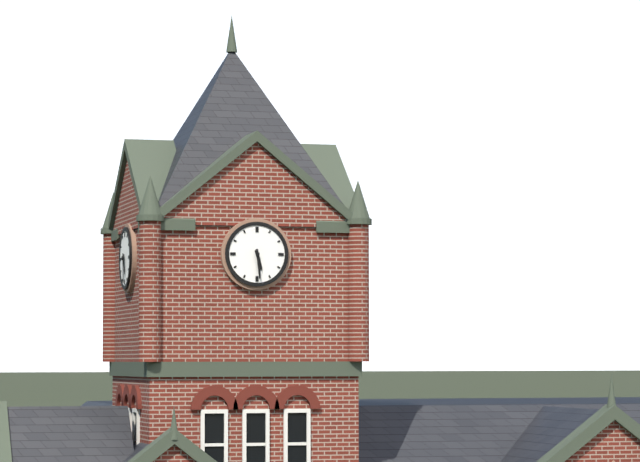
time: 5:29
